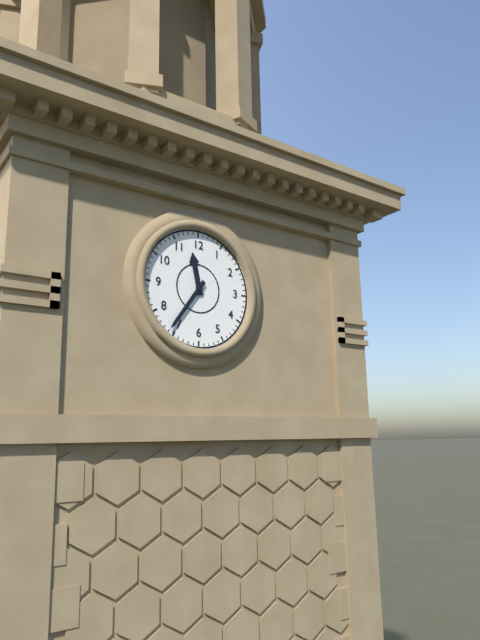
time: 11:36
